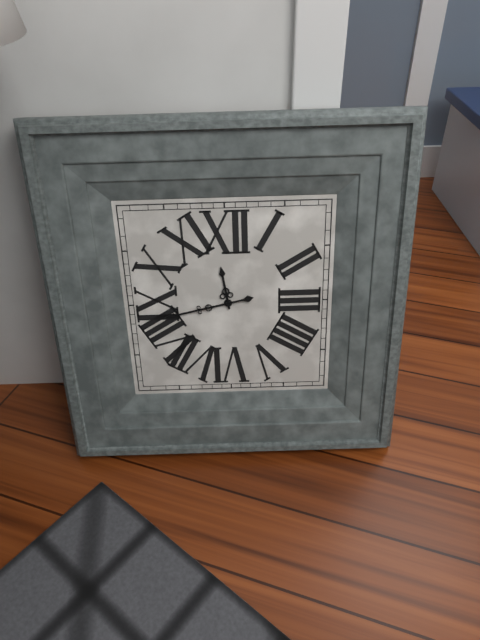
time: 11:43
